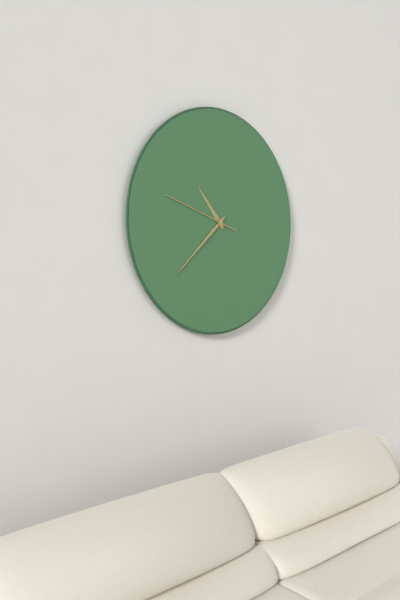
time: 10:38:48
